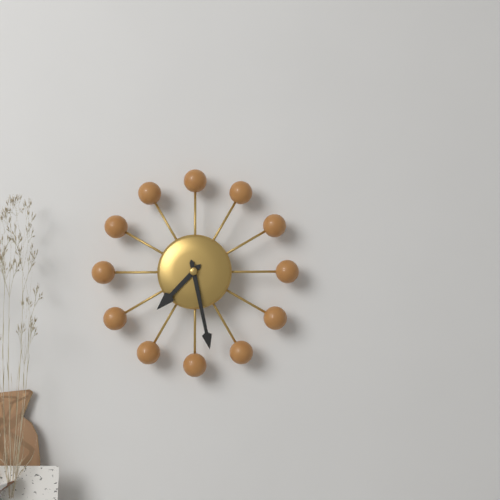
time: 7:28
